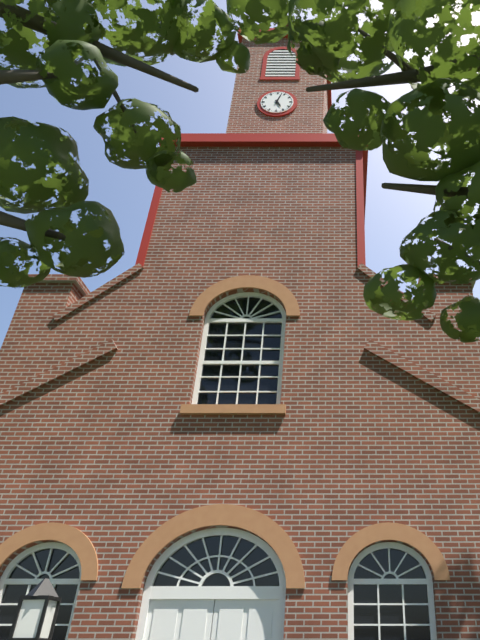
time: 5:03
